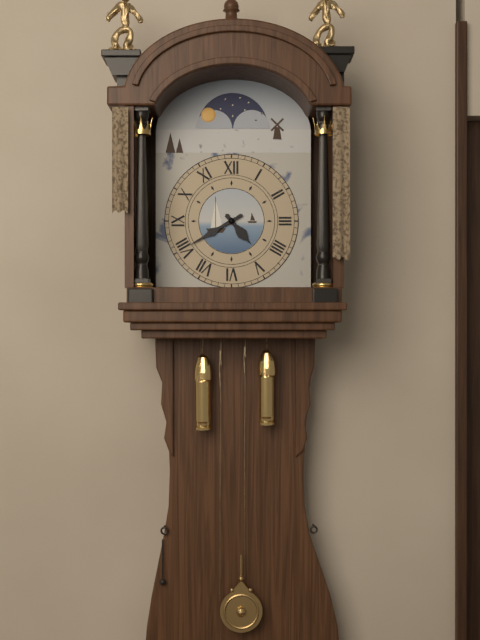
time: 4:40
